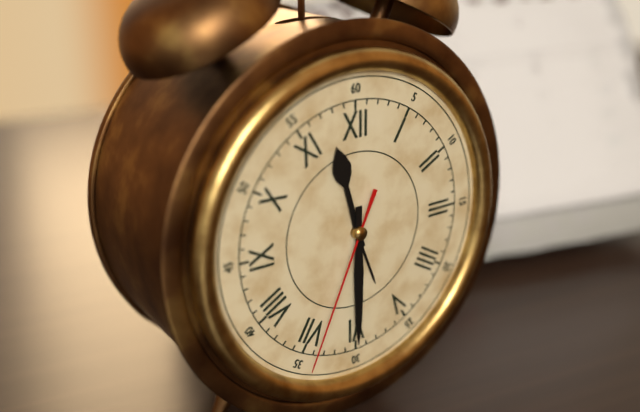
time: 11:30:34
